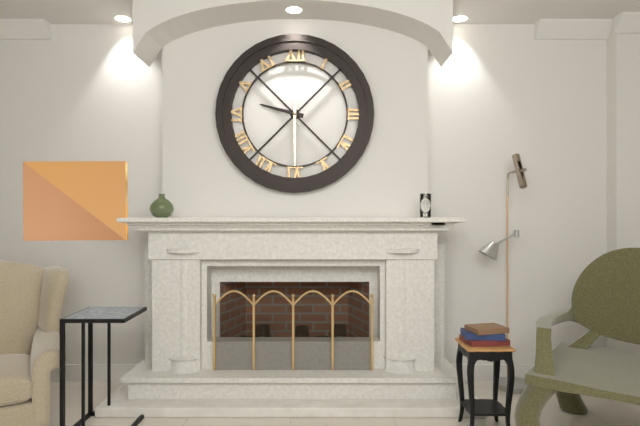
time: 9:30
